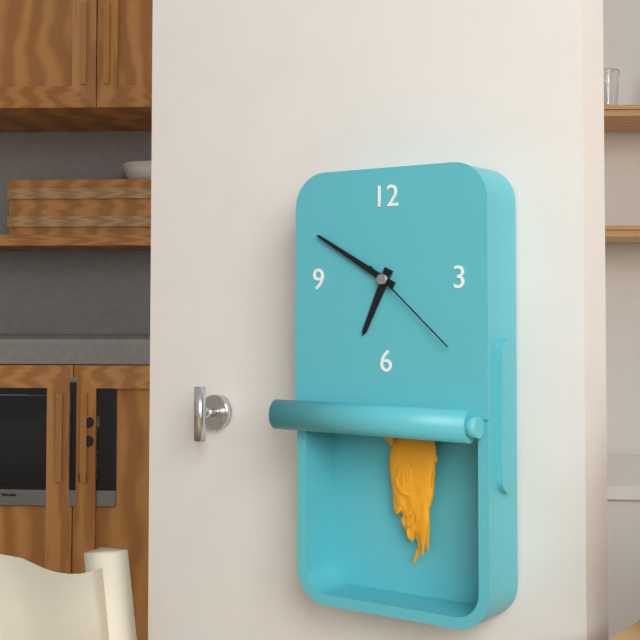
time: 6:50:22
